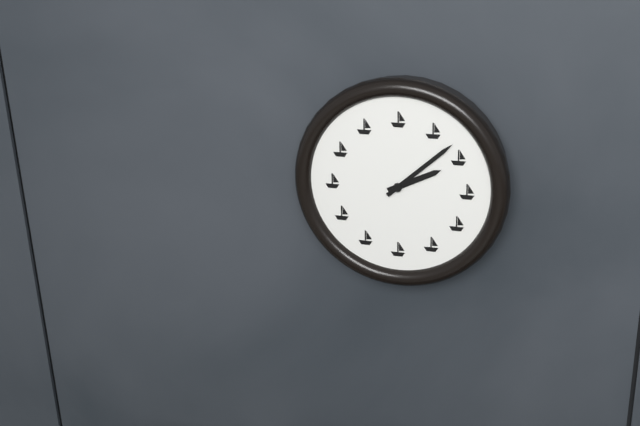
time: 2:08
